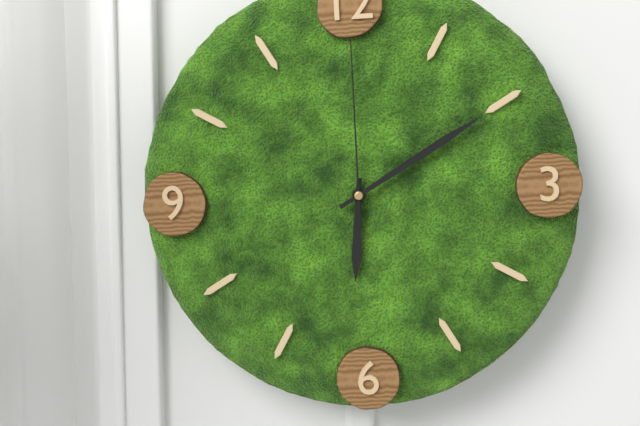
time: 6:10:00
